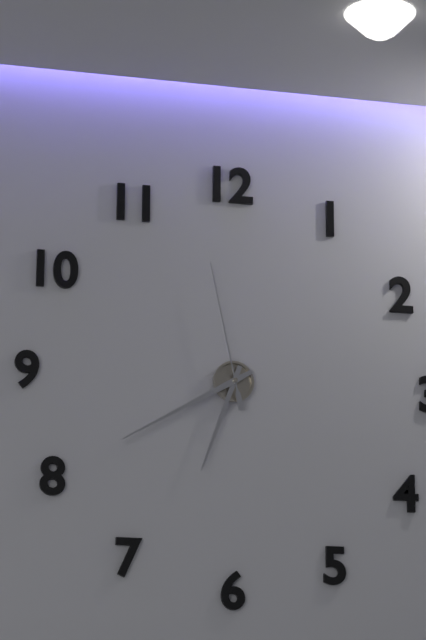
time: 6:40:58
